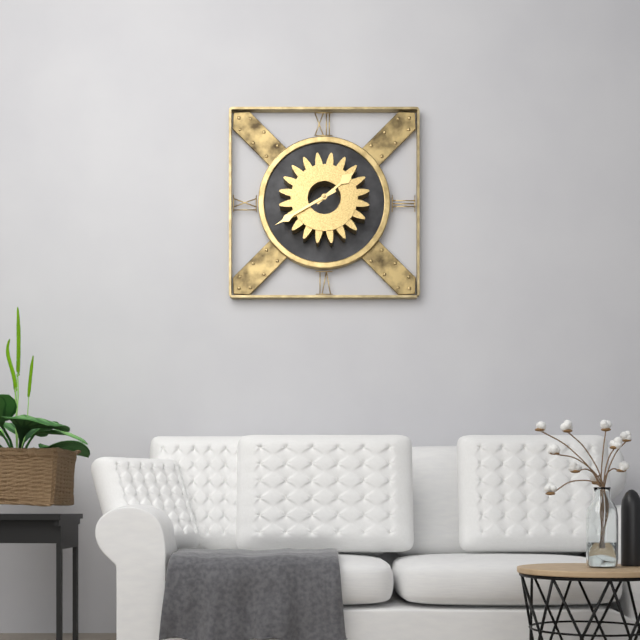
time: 1:40
